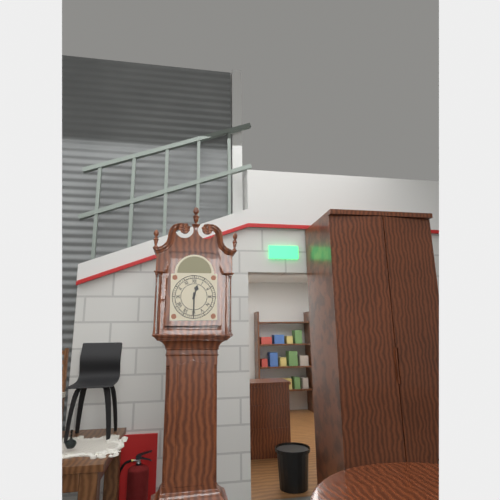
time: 12:30
